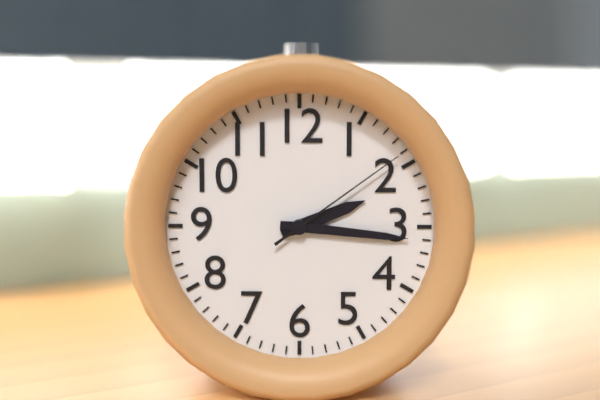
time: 2:16:09
